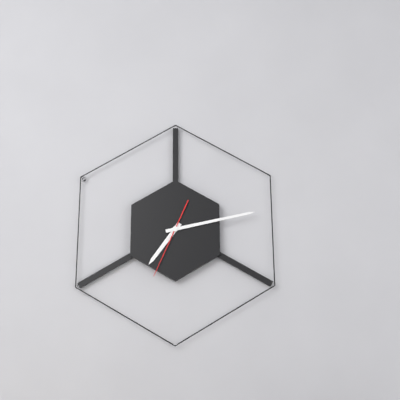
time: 7:13:34
